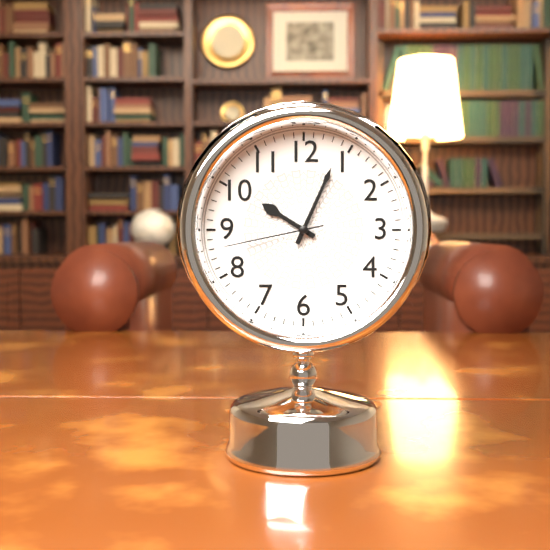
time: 10:04:43
